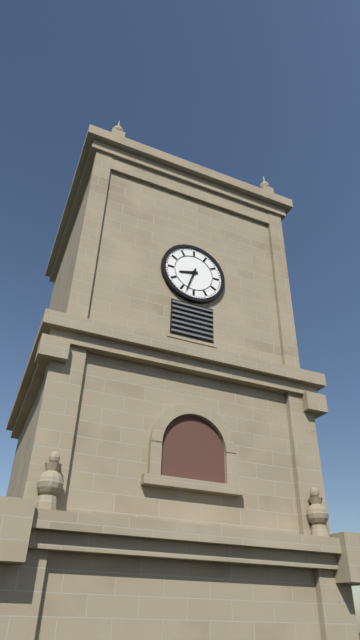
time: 8:33
